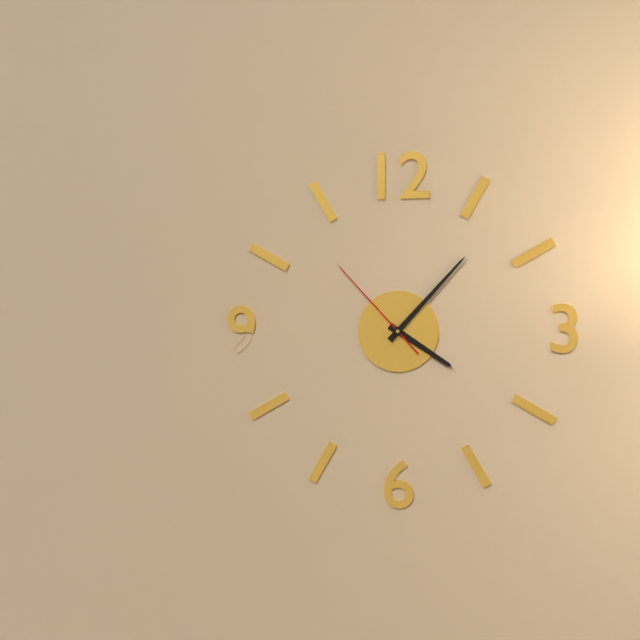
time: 4:07:53
